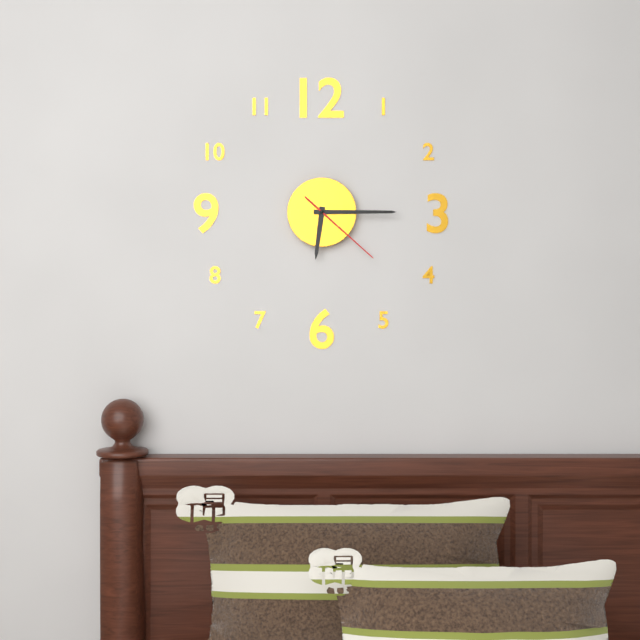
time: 6:15:22
